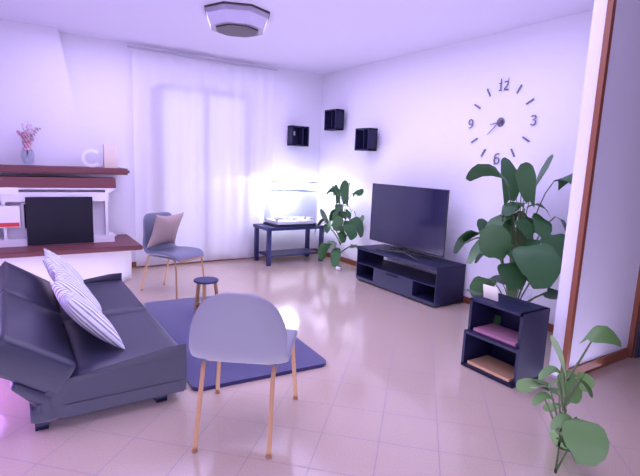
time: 8:38
